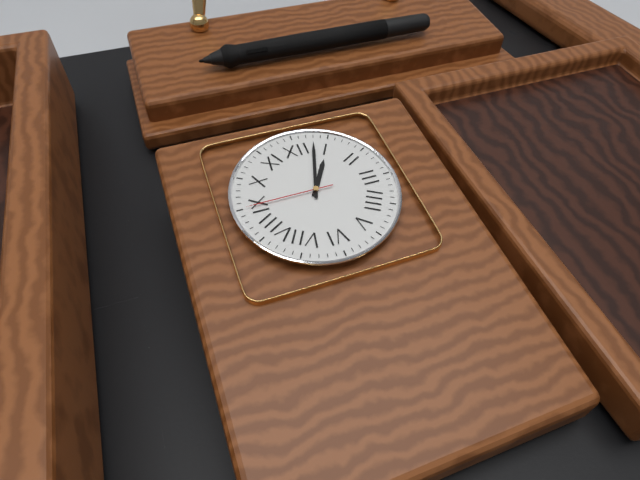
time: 1:03:45
